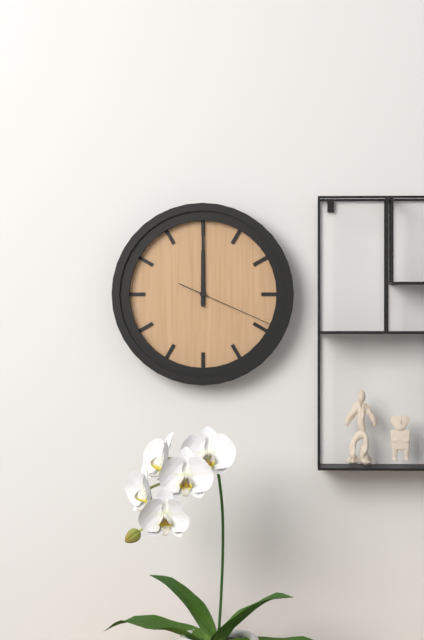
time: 12:00:19
